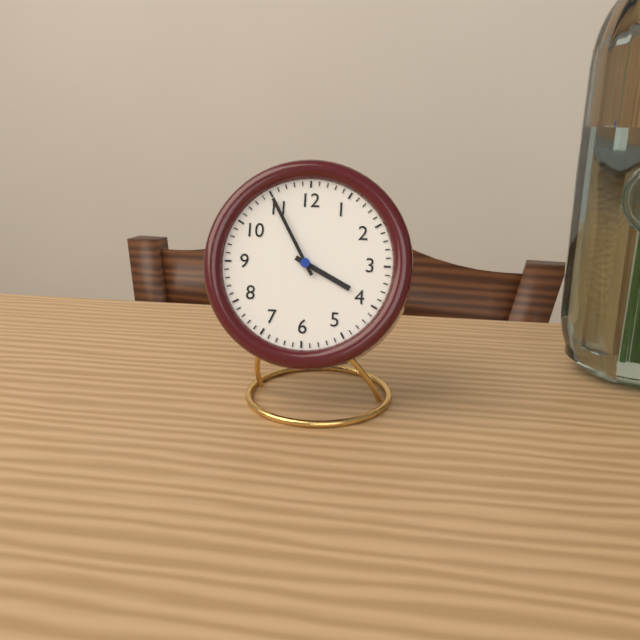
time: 3:55
